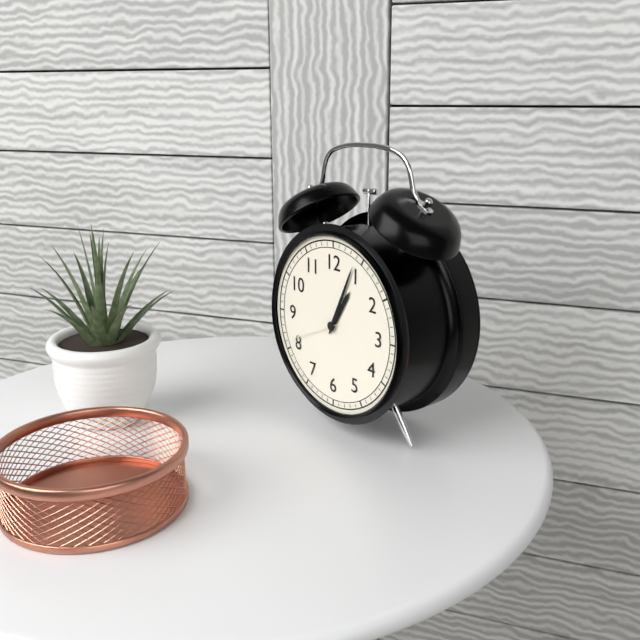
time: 1:04:41
